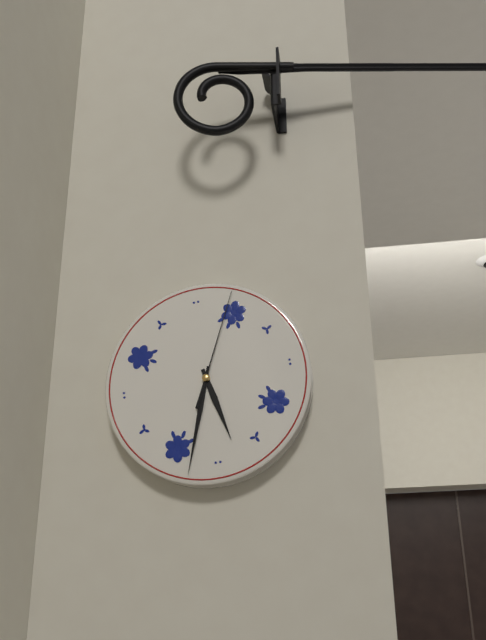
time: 5:33:04
